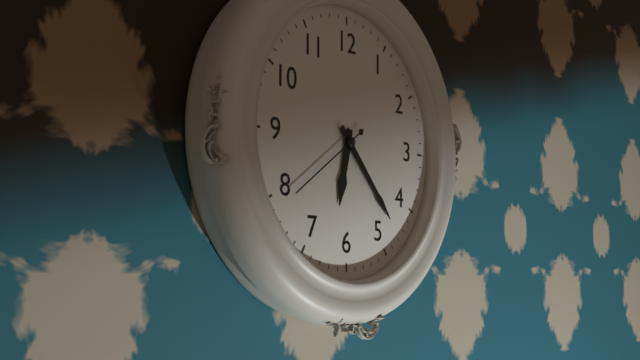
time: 6:23:39
